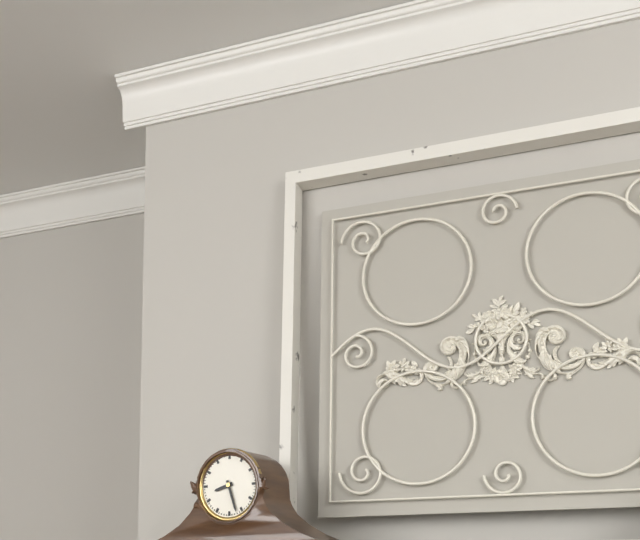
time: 8:27
